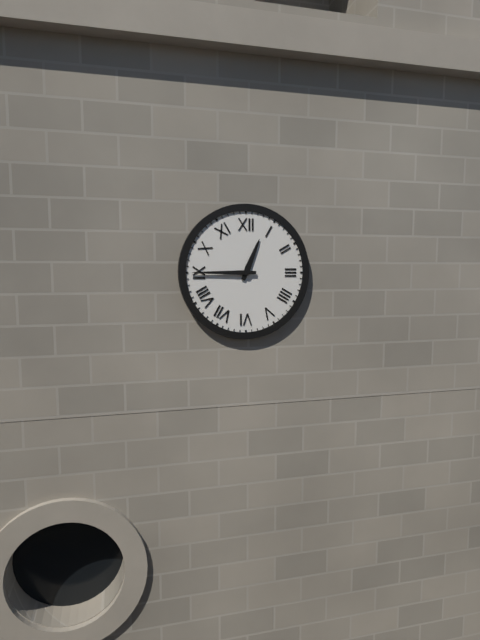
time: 12:45
